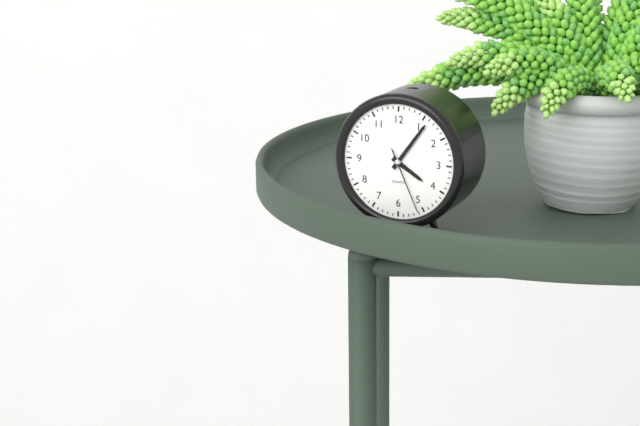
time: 4:06:26
